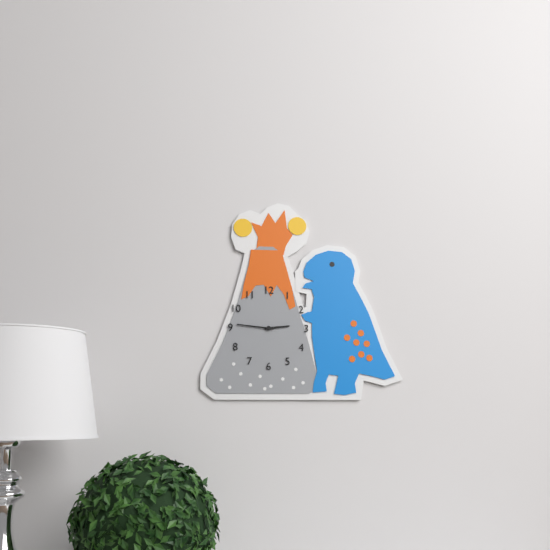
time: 2:46
